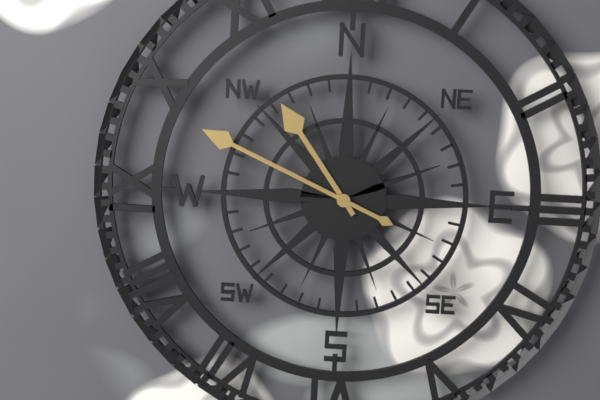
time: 10:49
